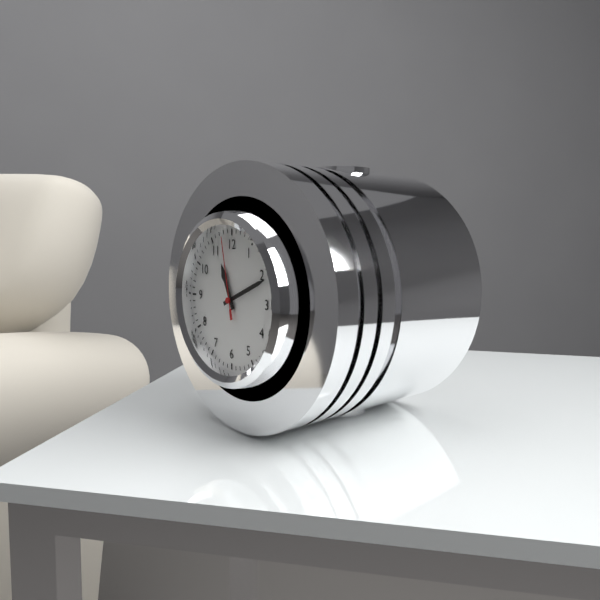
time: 11:11:58
